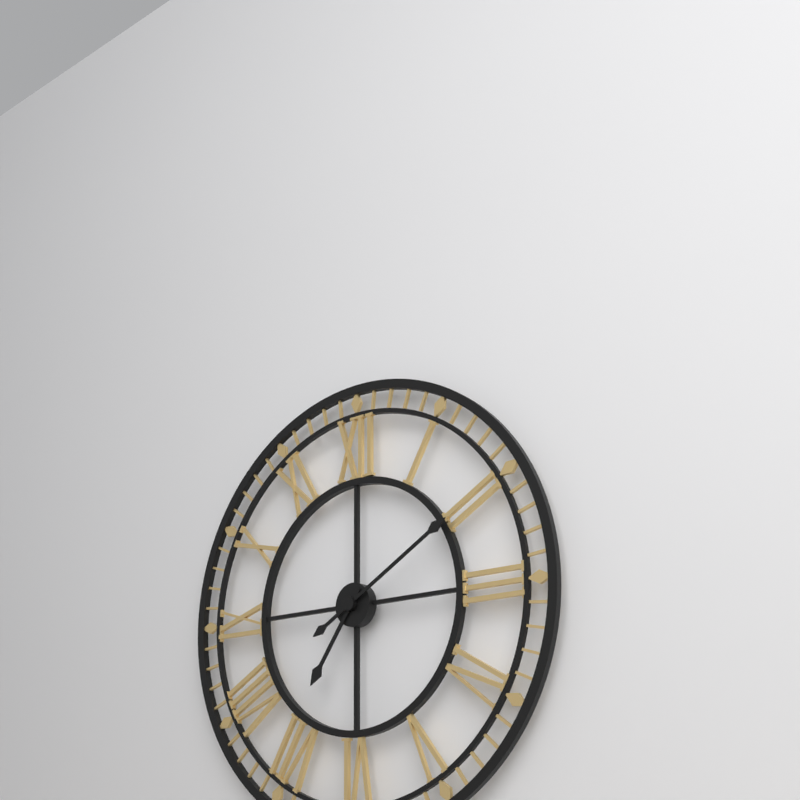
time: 7:10
